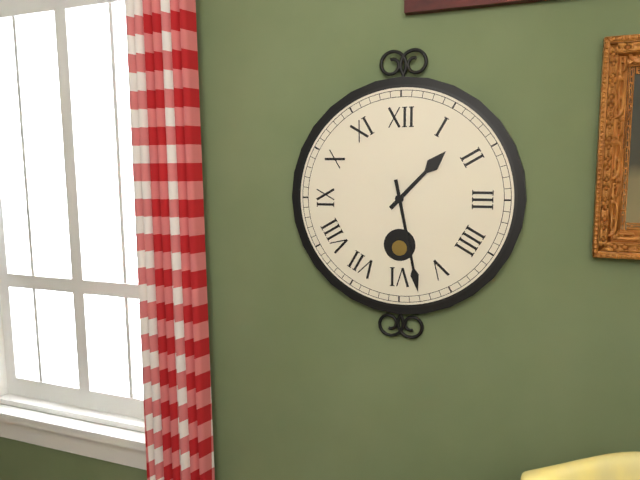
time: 1:28
